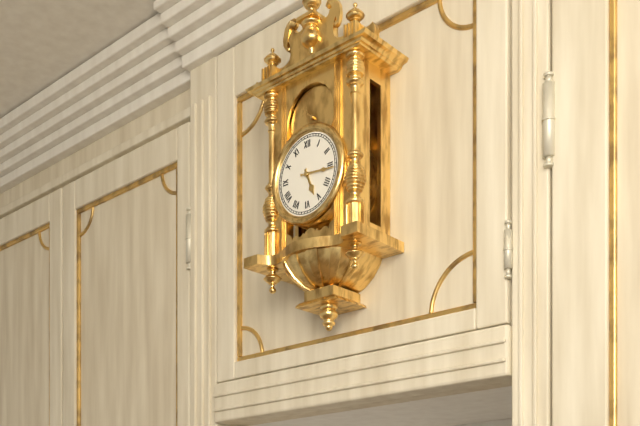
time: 5:16
